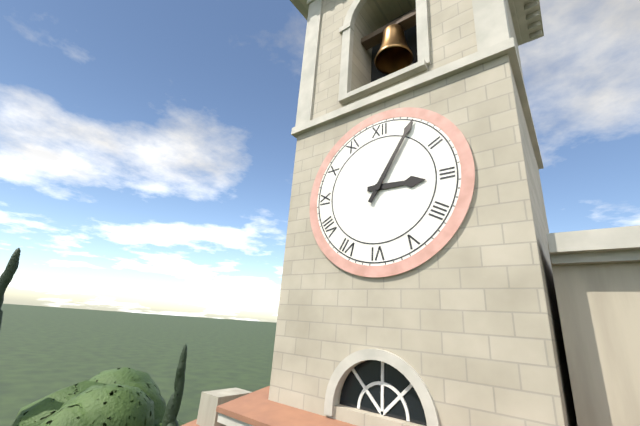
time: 3:05
